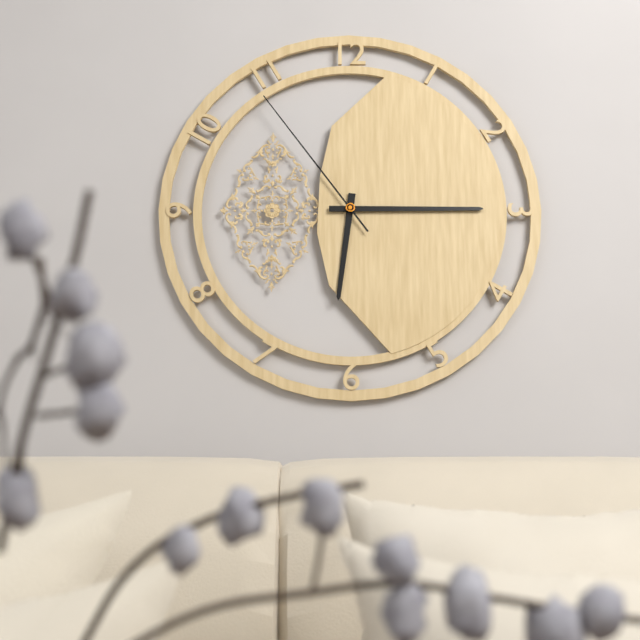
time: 6:15:54
